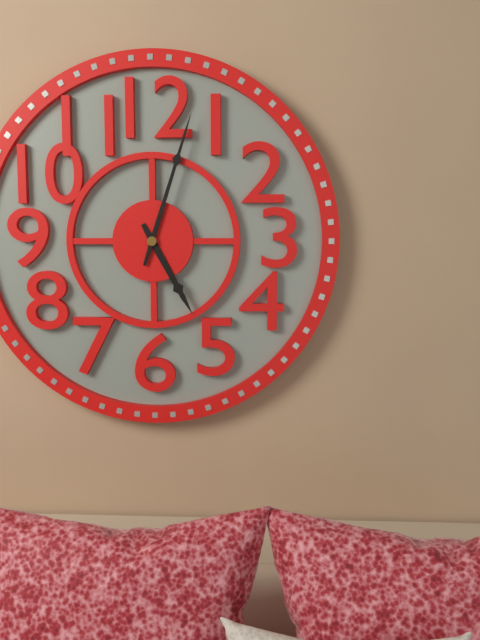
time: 5:03
